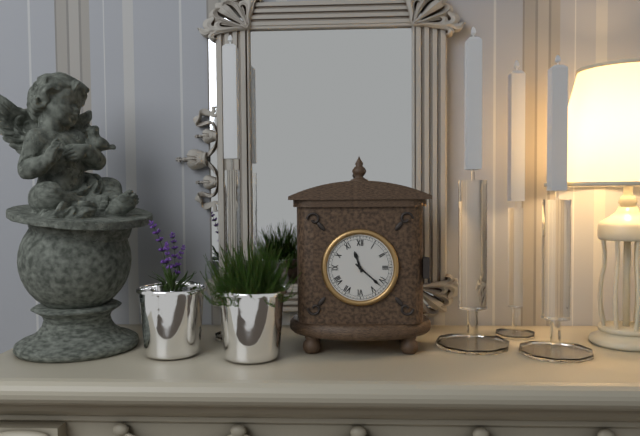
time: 11:22
